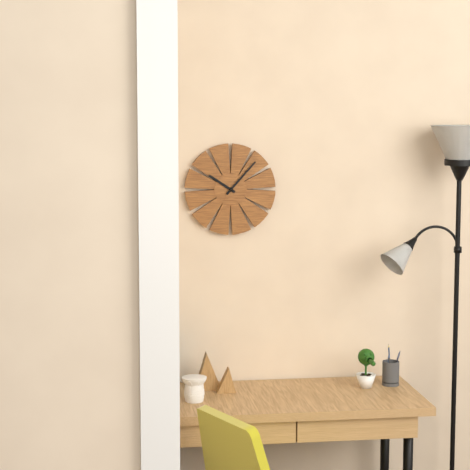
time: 10:07
